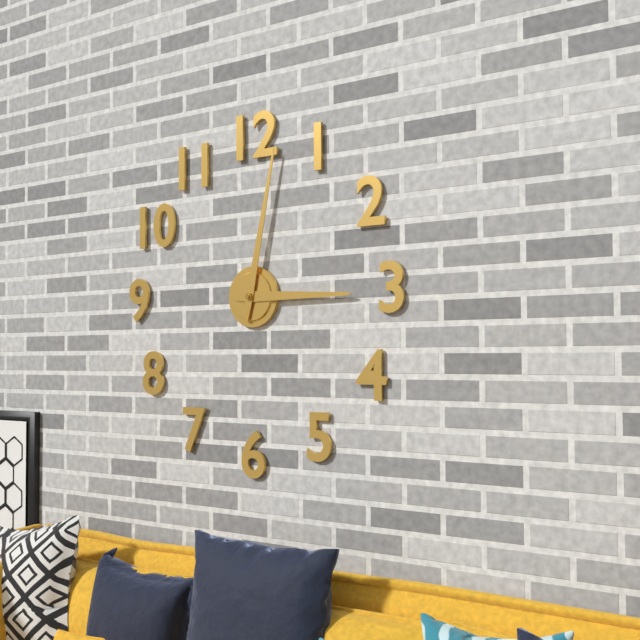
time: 3:02
